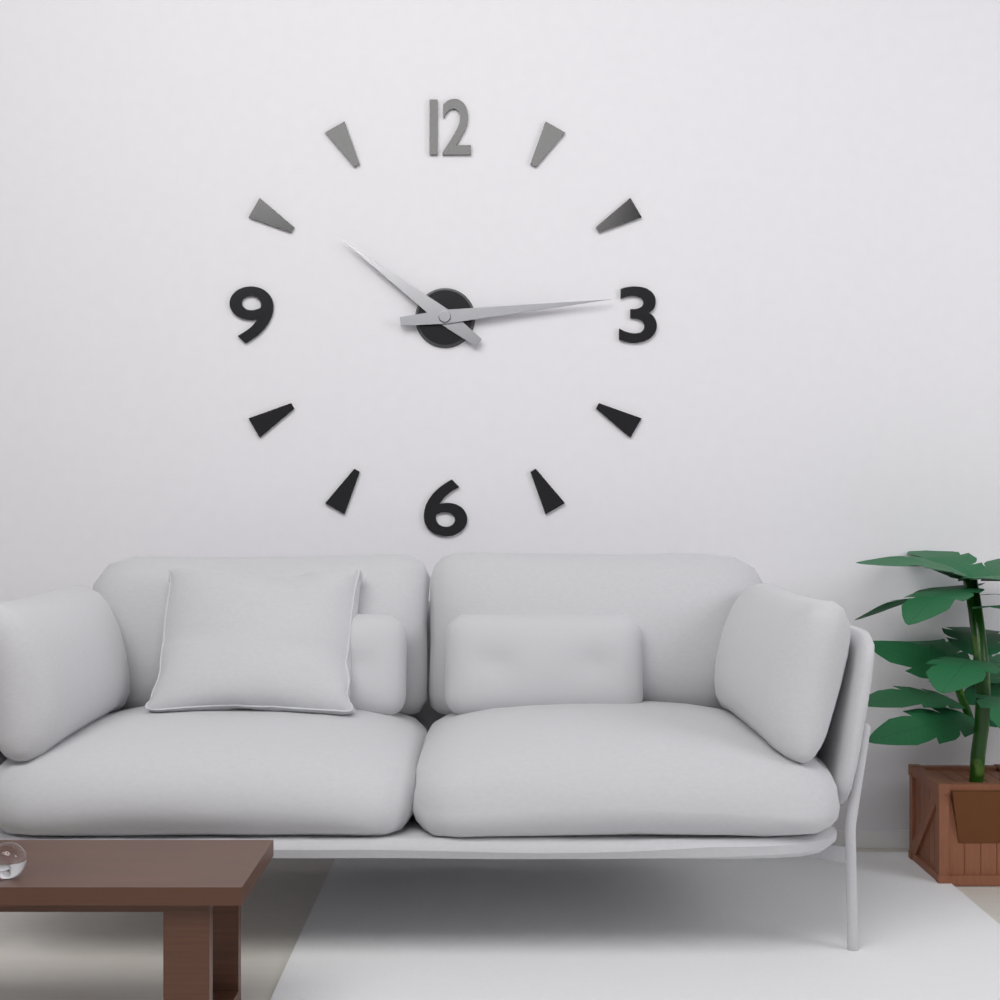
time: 10:14
